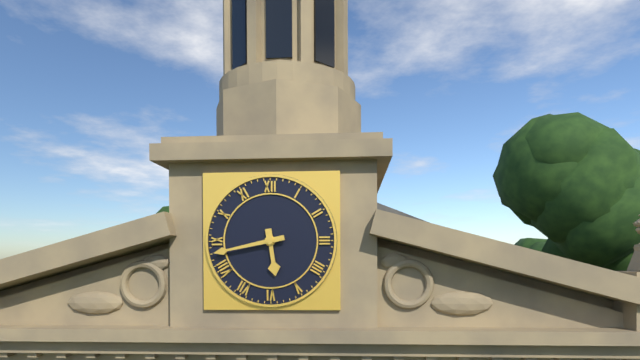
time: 5:43
